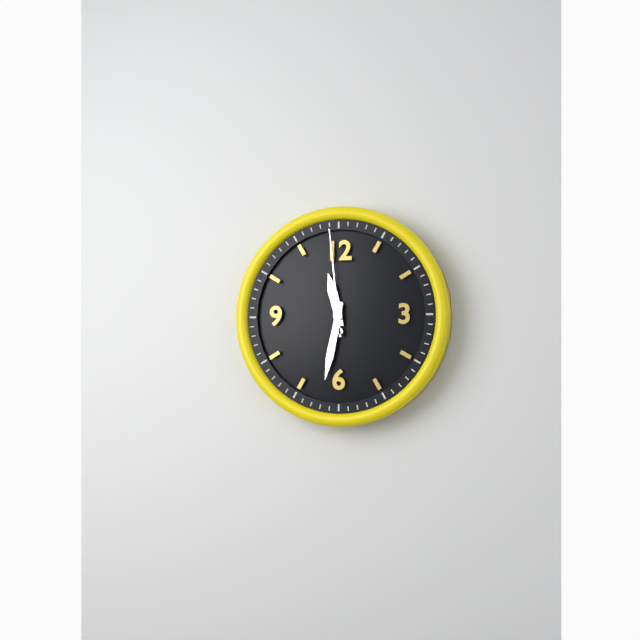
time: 11:32:59
